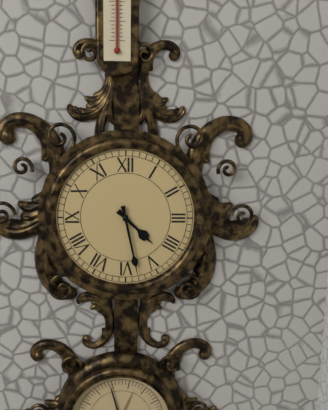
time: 4:28
